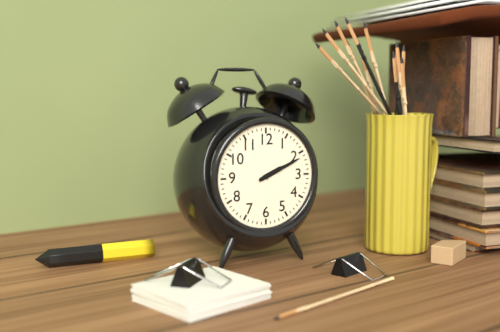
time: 2:11
